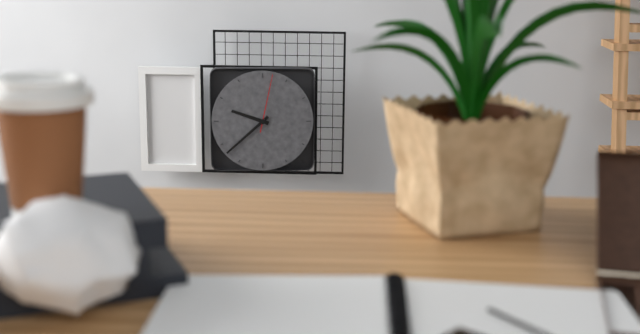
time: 9:38:02
